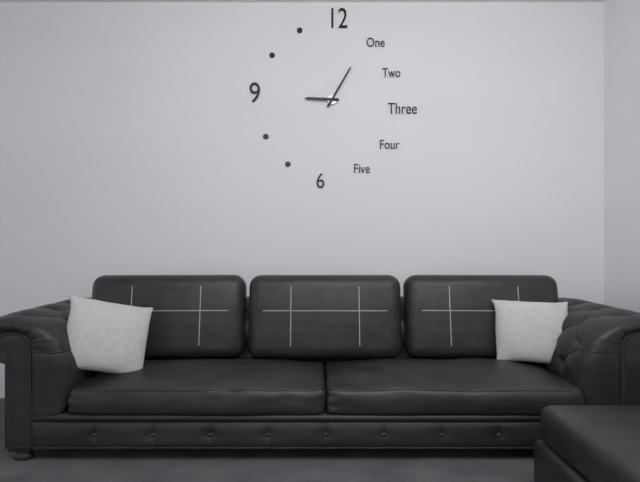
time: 9:05
